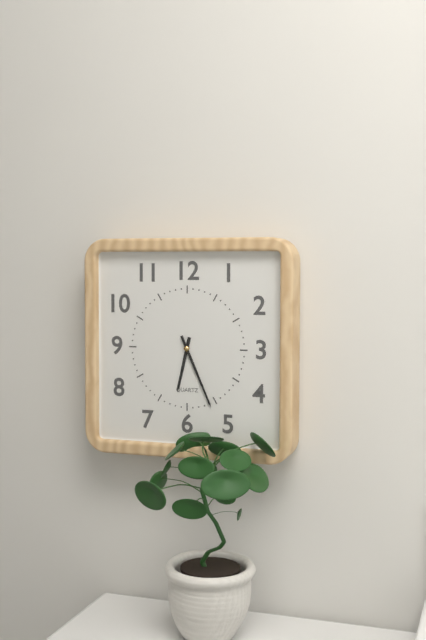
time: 6:26
